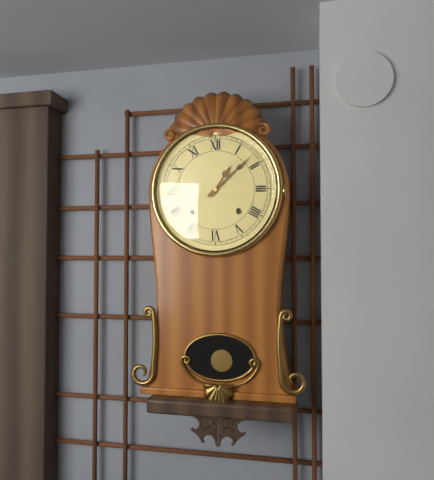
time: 1:08
